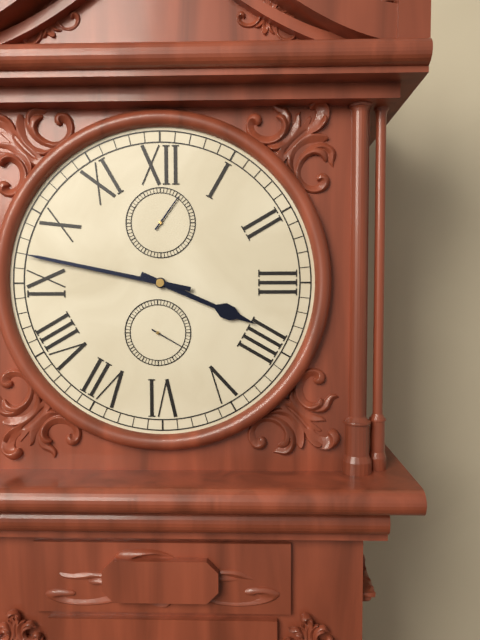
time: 3:47
